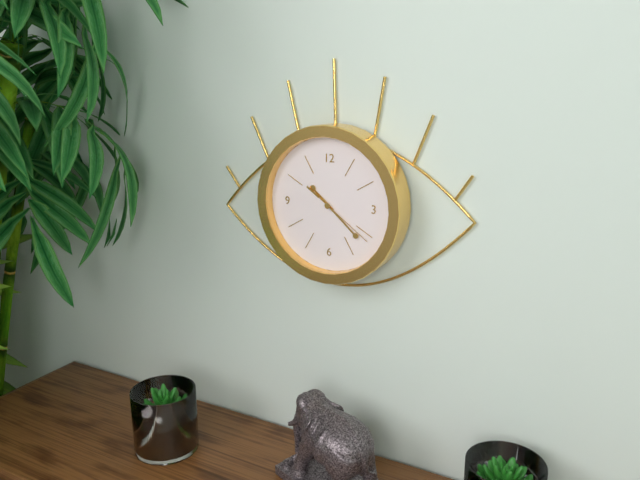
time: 10:22:21
